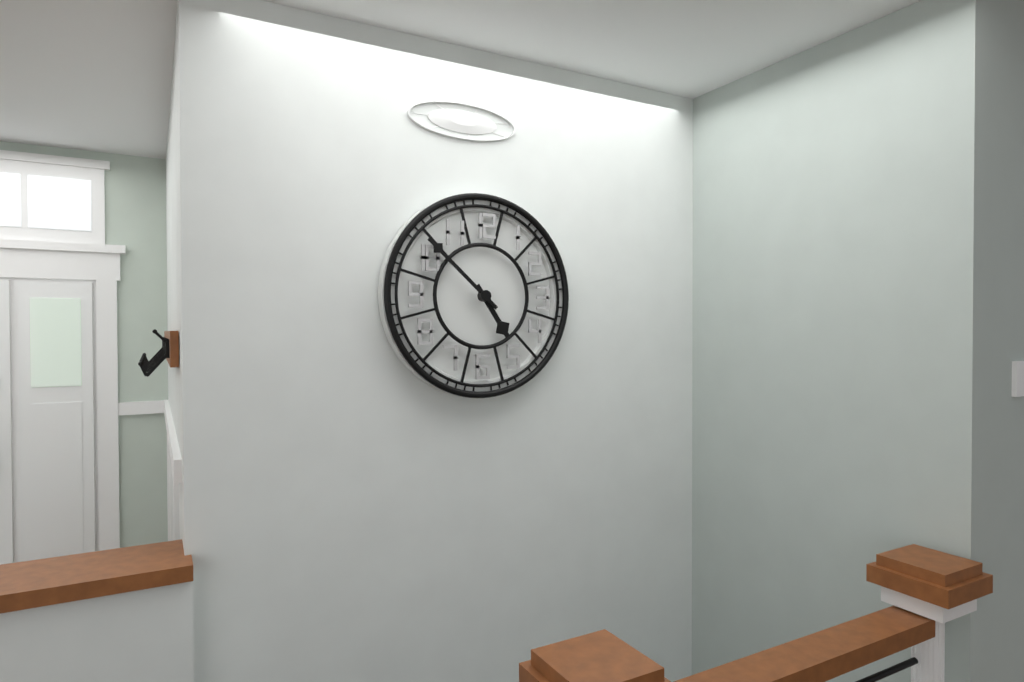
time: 4:52
